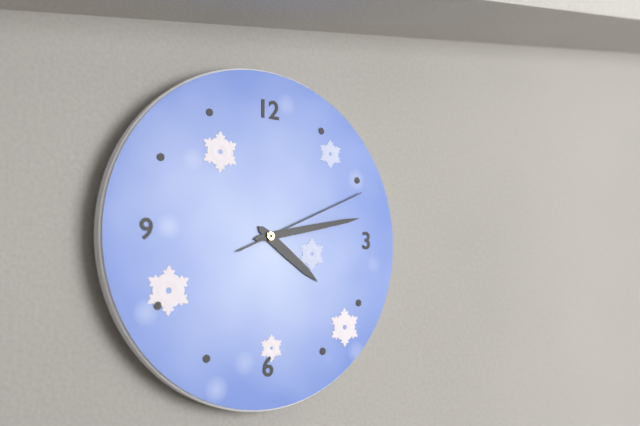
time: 4:13:11
